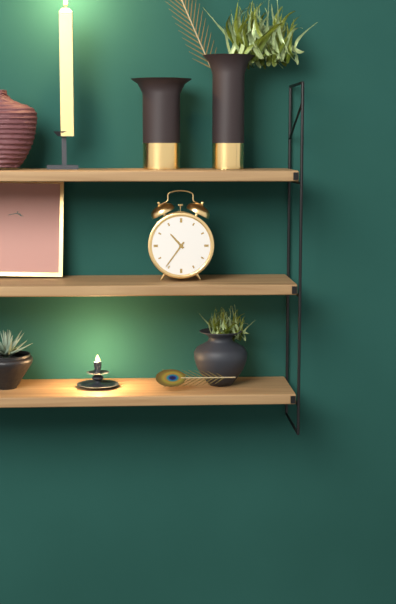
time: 10:36
